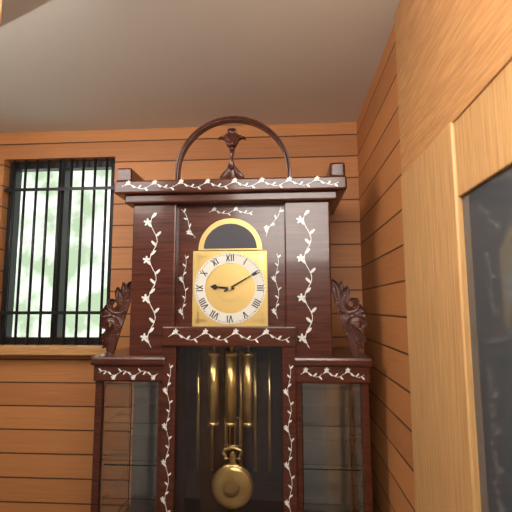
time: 9:10
